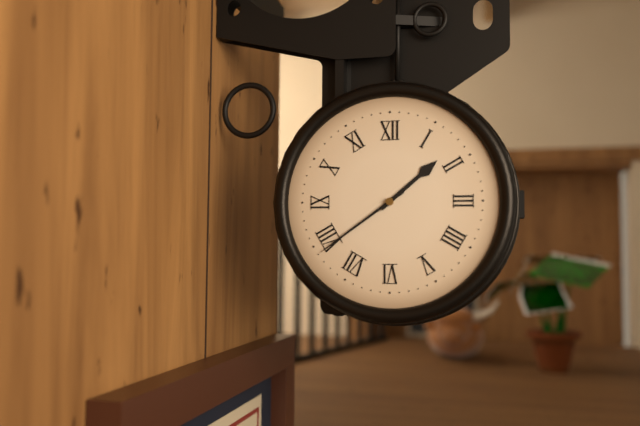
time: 1:39
